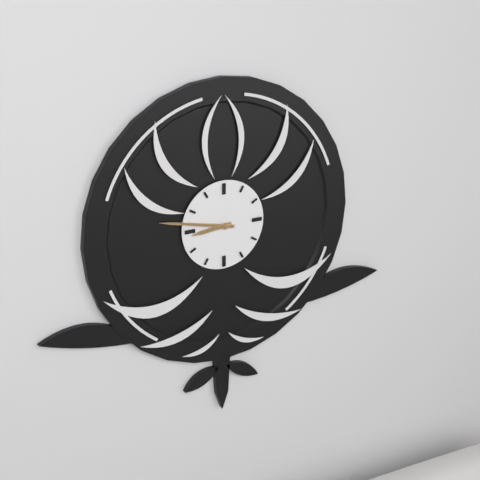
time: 8:47
